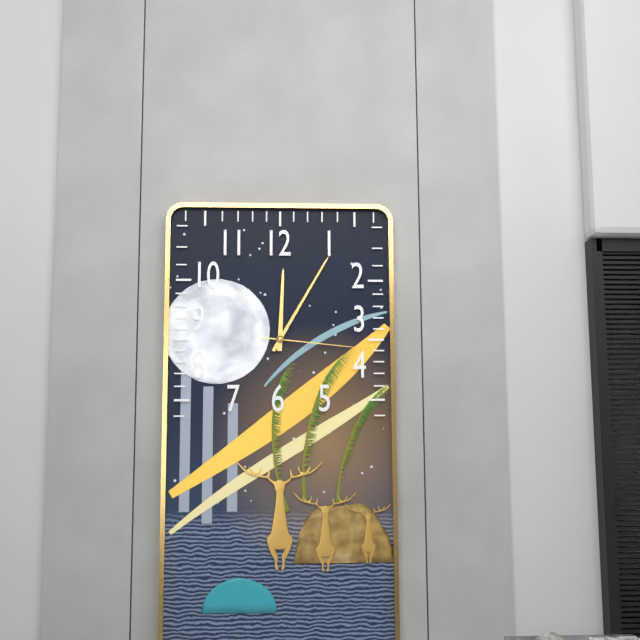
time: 12:05:16
